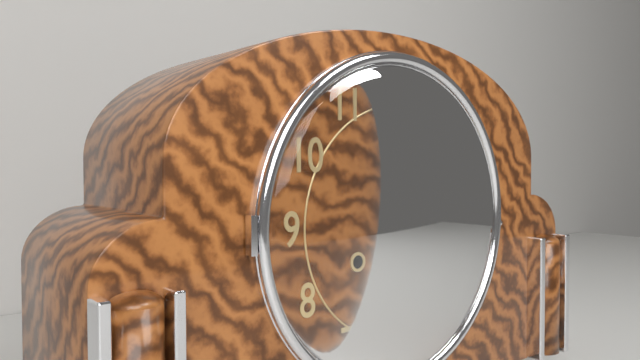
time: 5:13
